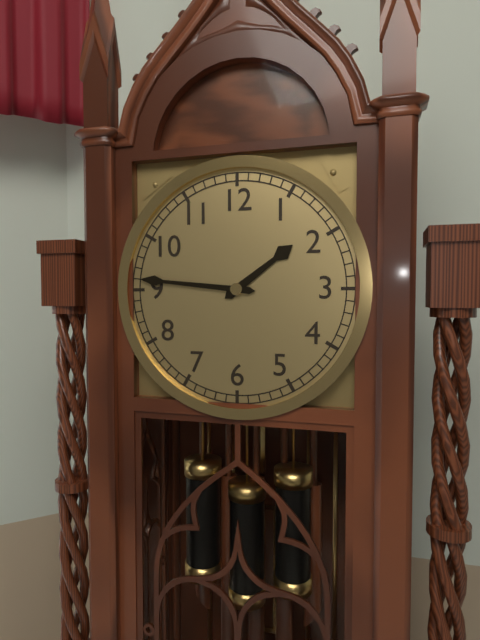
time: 1:46
